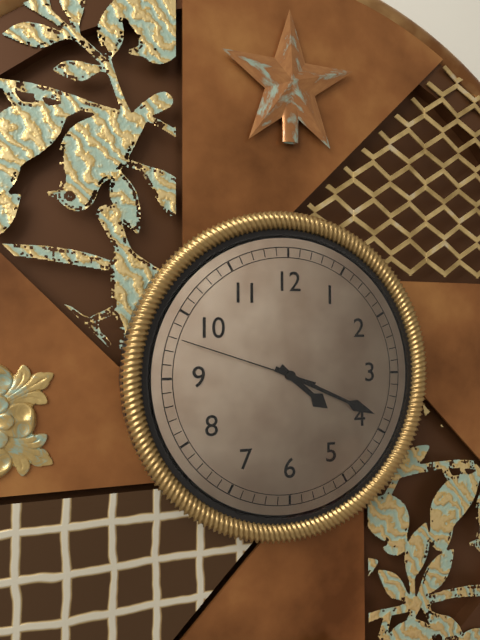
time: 4:19:48
